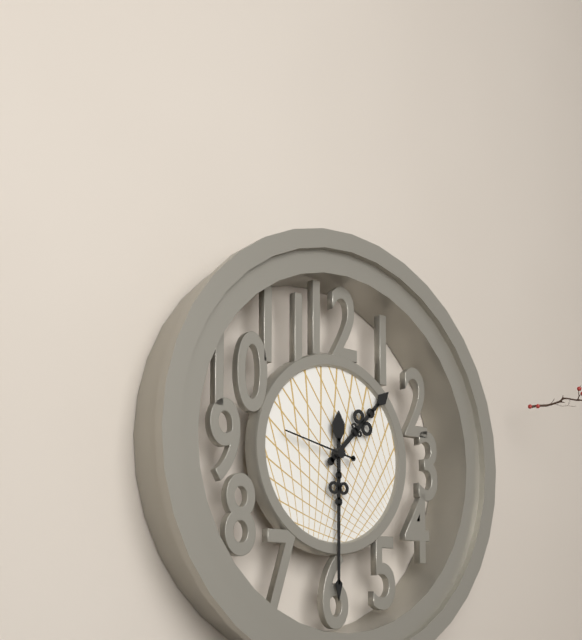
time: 1:30
